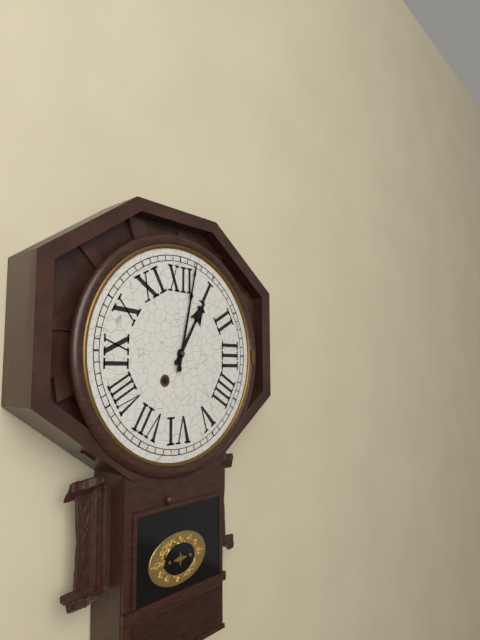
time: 1:02
